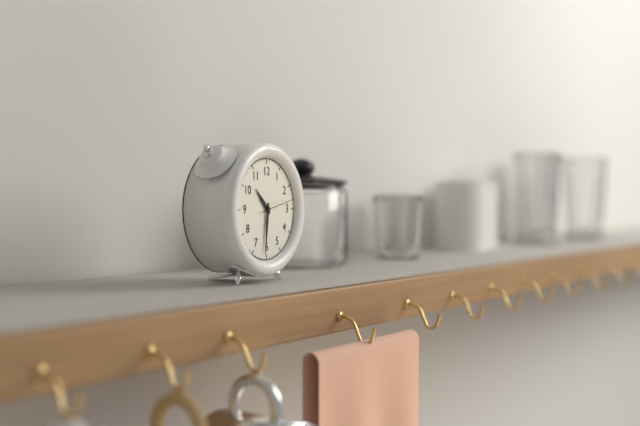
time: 10:31
